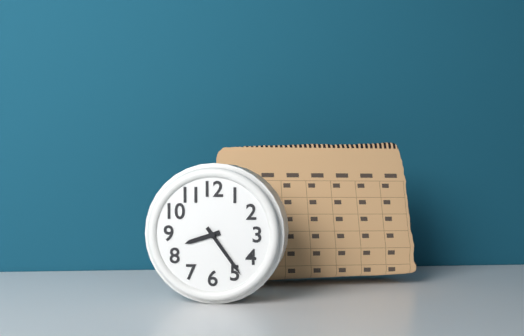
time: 8:24
